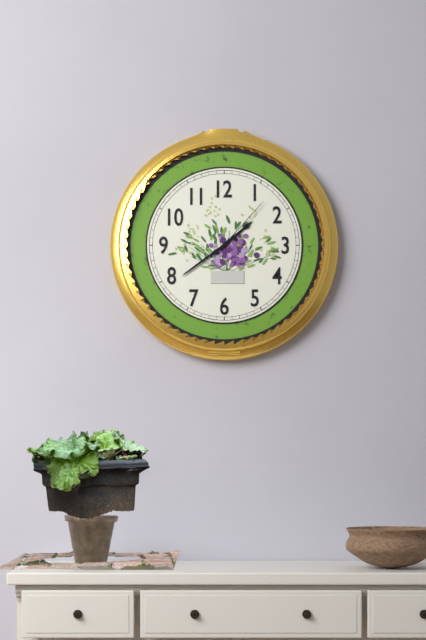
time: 1:39:07
